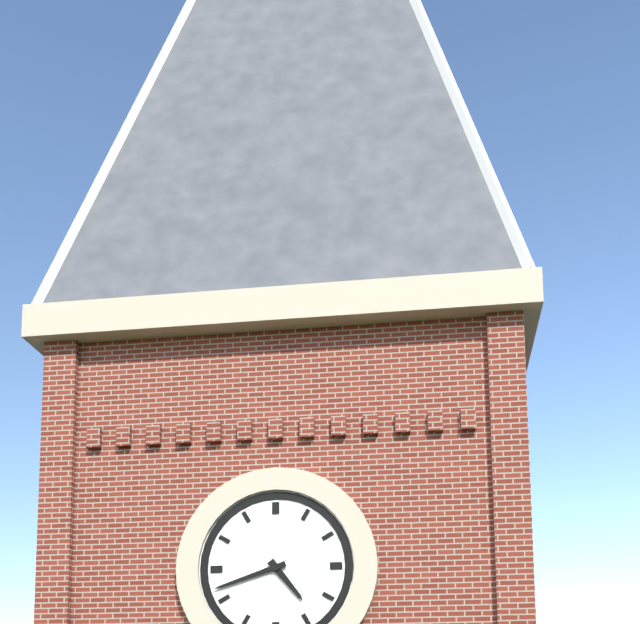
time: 4:42
